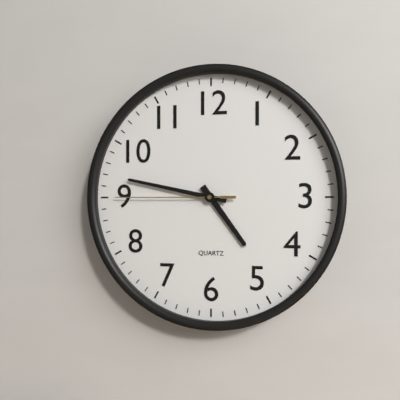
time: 4:47:45
